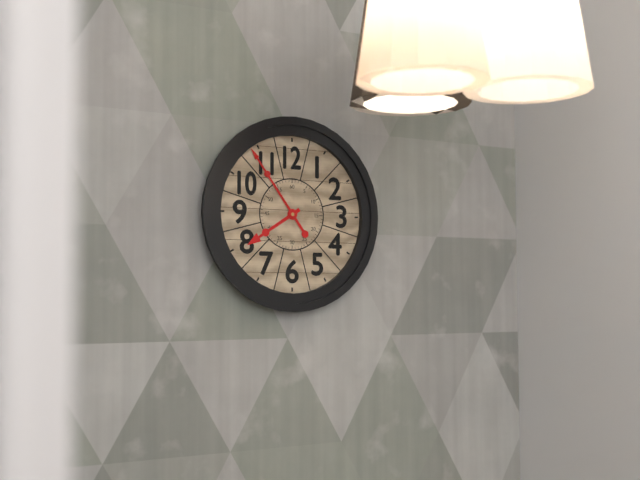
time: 7:54
